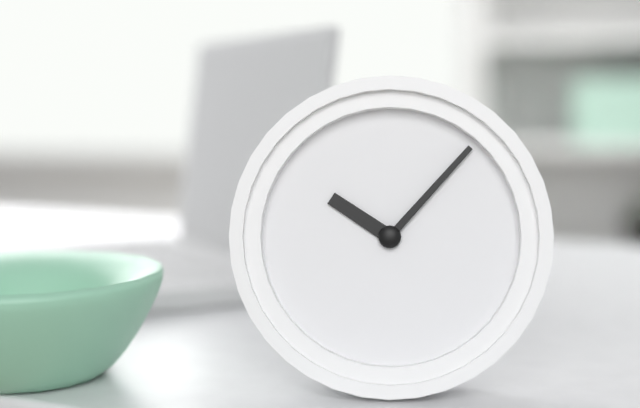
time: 10:07
